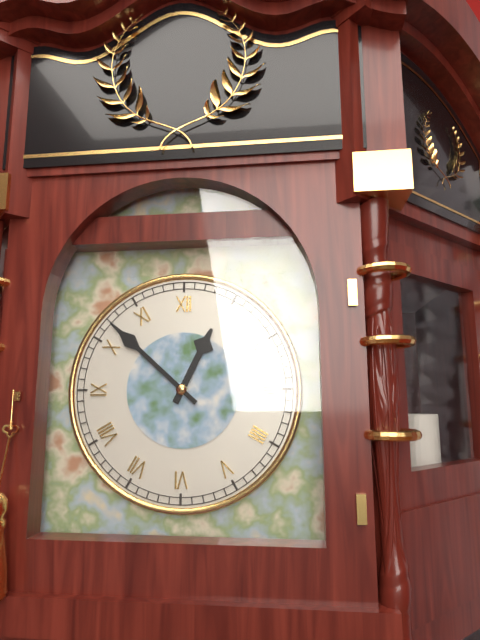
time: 12:52
